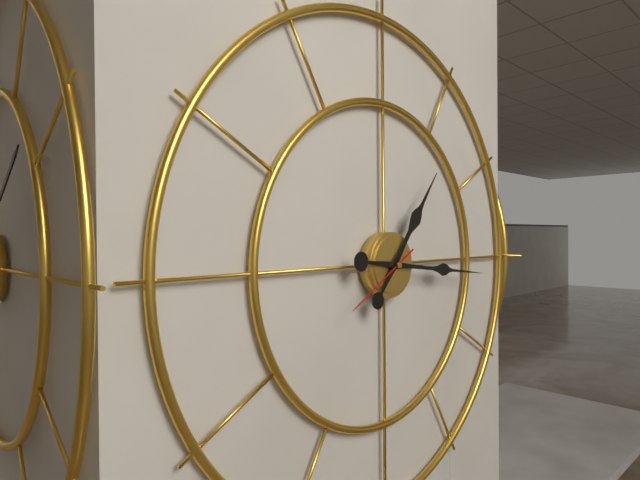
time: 1:16:40
